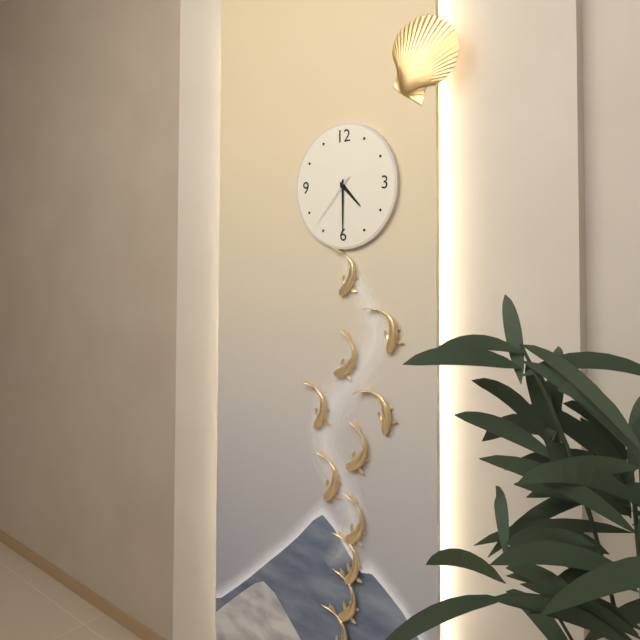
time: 4:30:37
